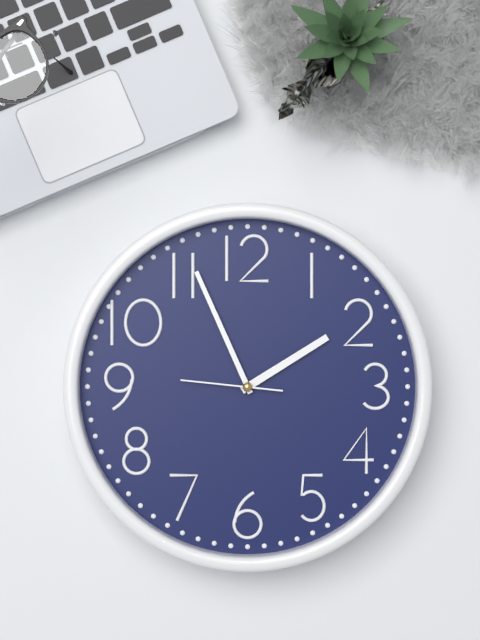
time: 1:56:46
